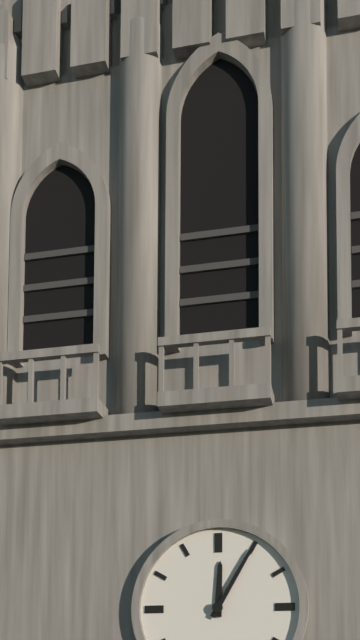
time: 12:05
